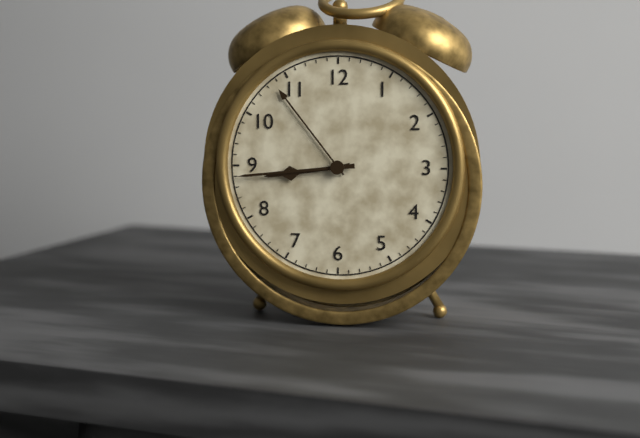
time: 8:44
